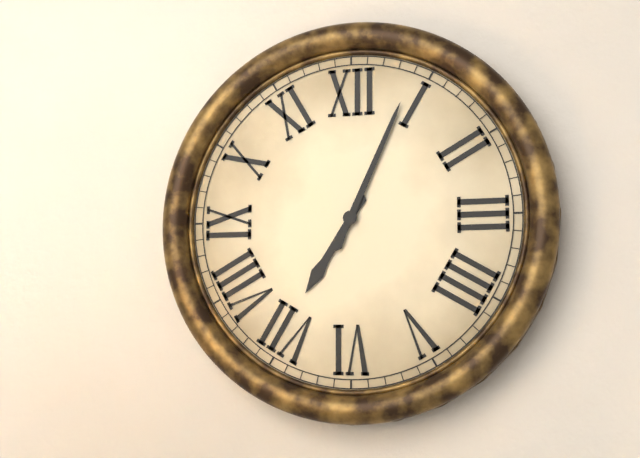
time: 7:04
